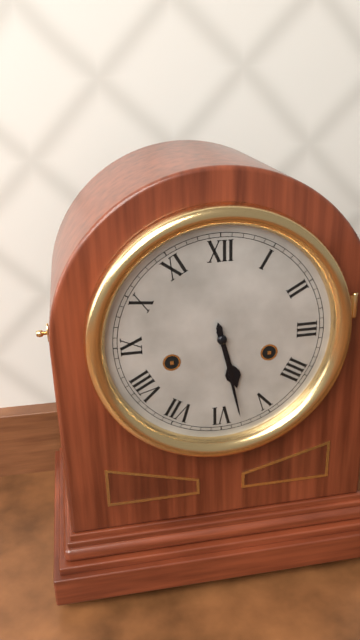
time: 5:28
